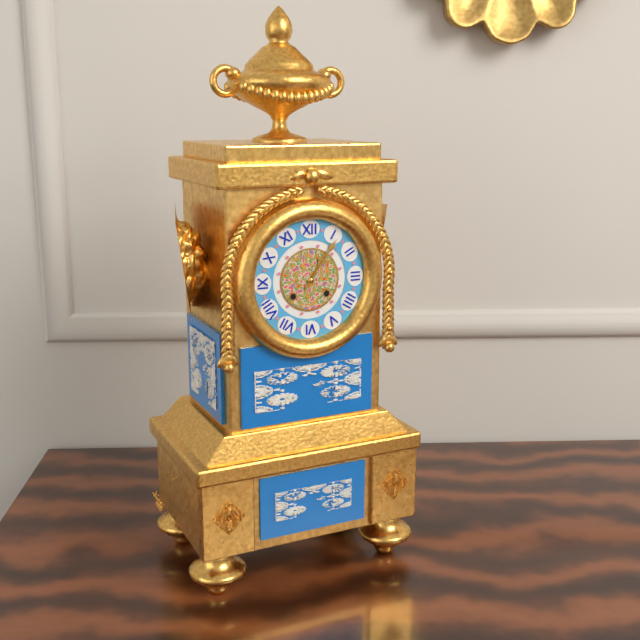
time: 1:06
